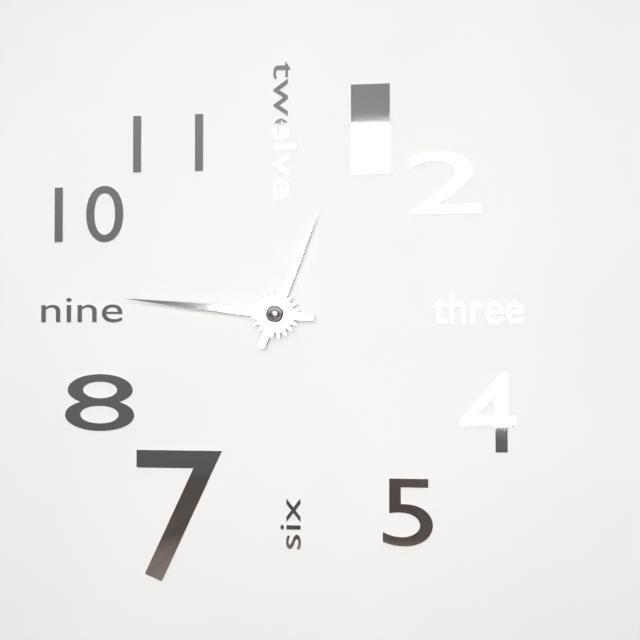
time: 12:46
